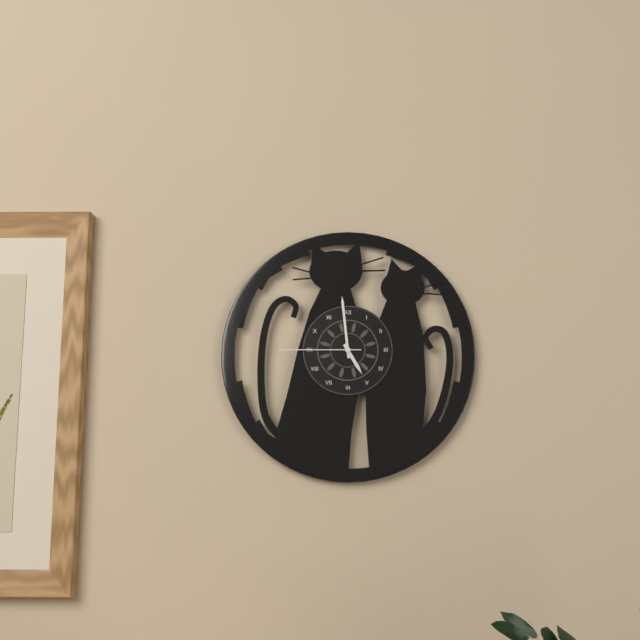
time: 4:59:45
